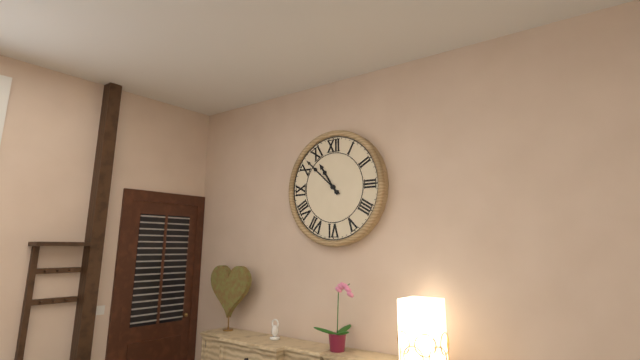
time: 10:52
